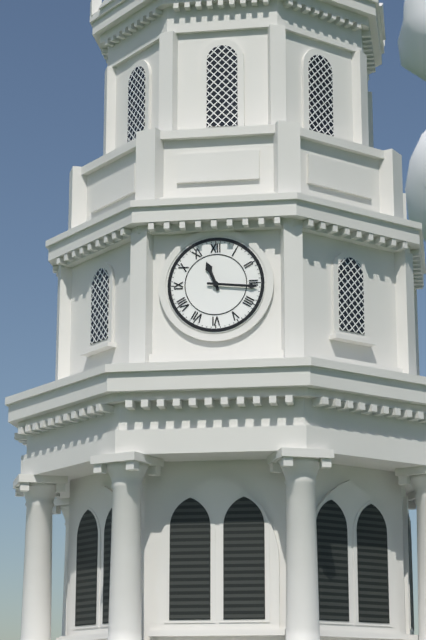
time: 11:16
